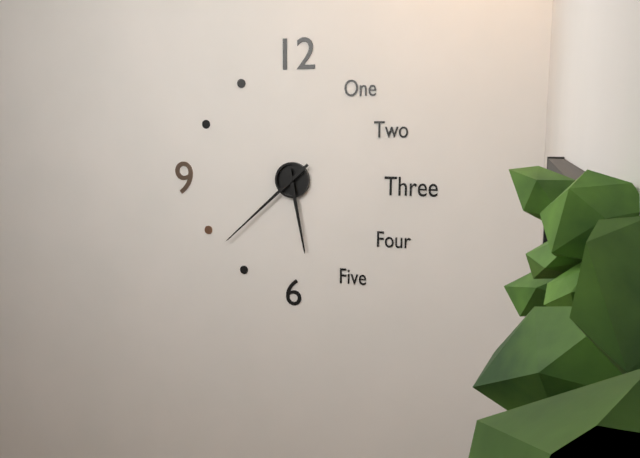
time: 5:38
